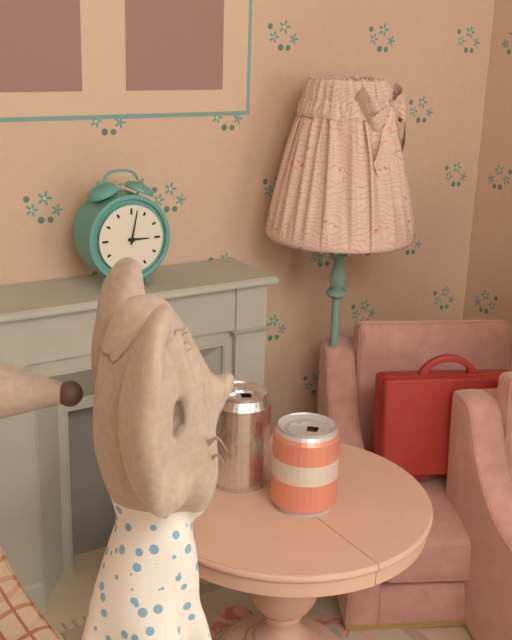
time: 3:02
